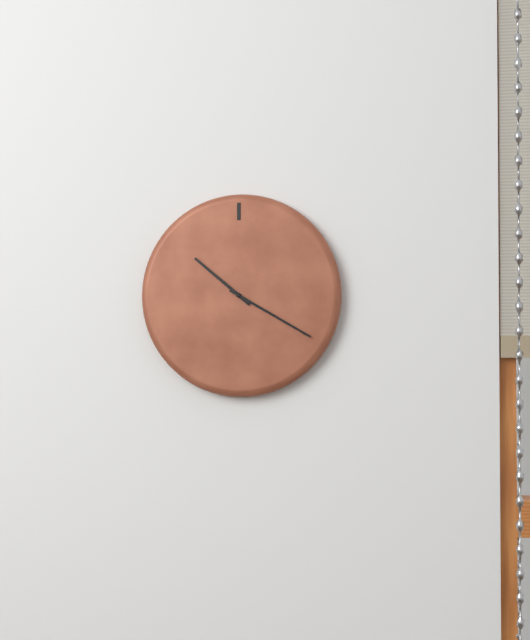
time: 10:20
